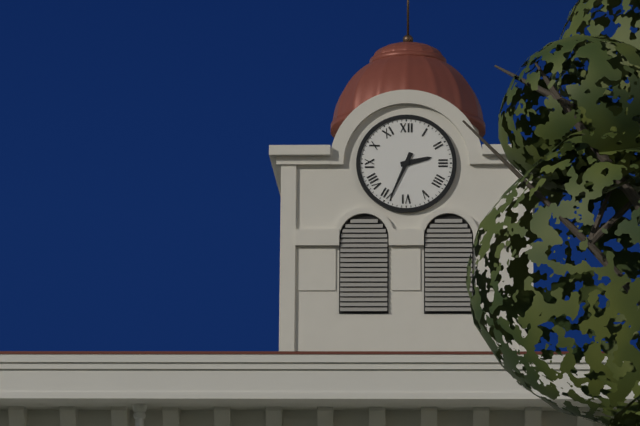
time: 2:34
